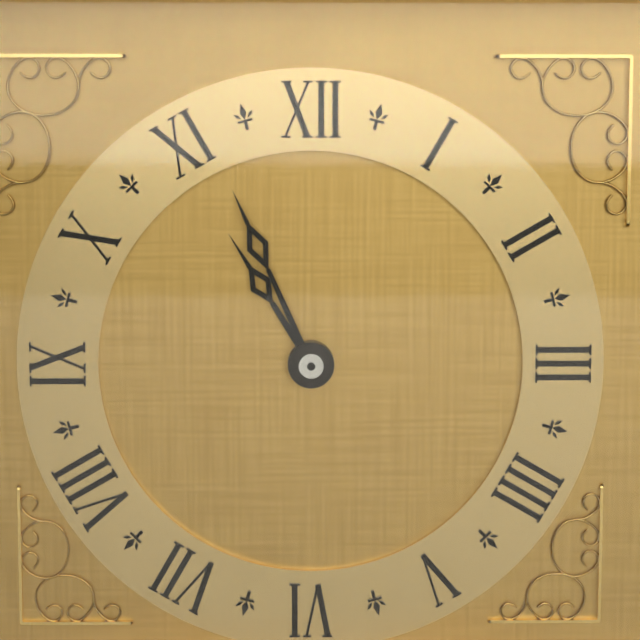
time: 10:56
